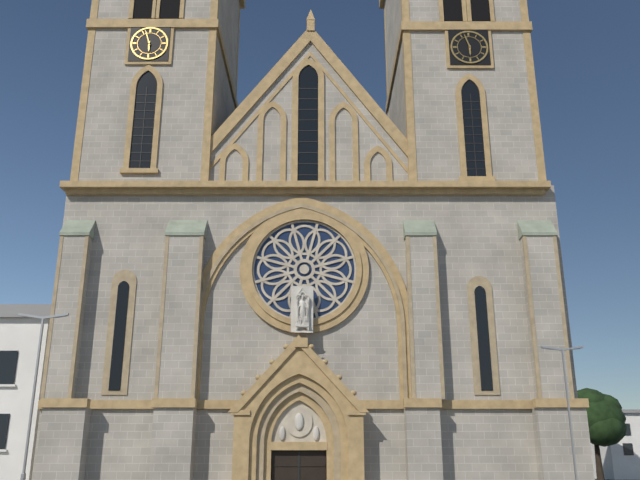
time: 5:57
